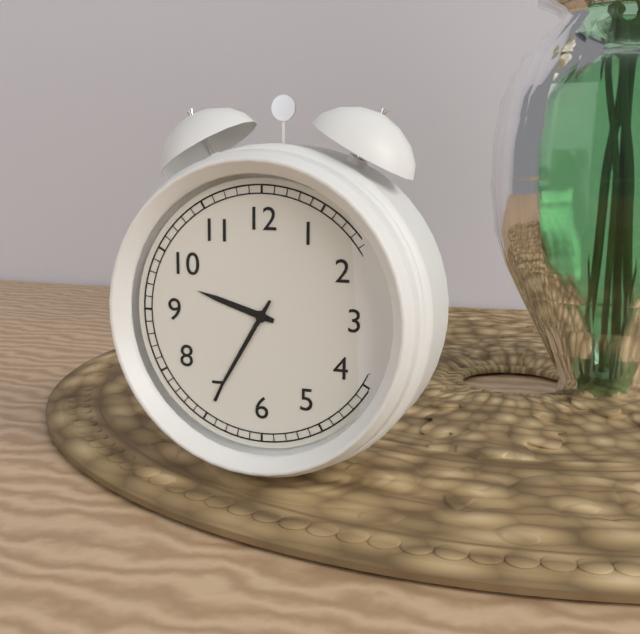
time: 9:35
